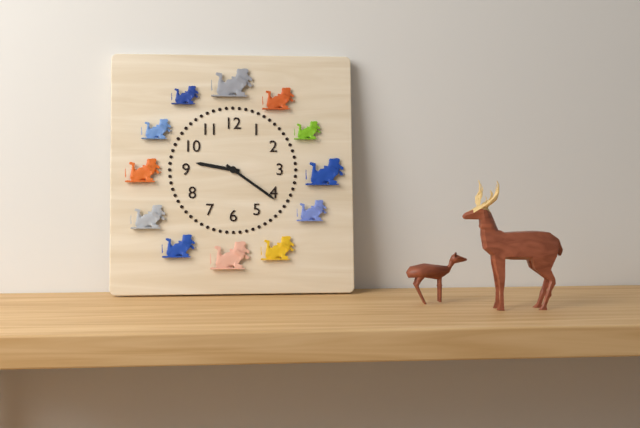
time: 9:21
